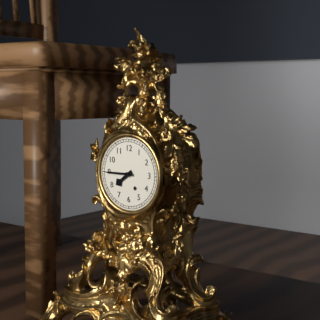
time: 7:45
